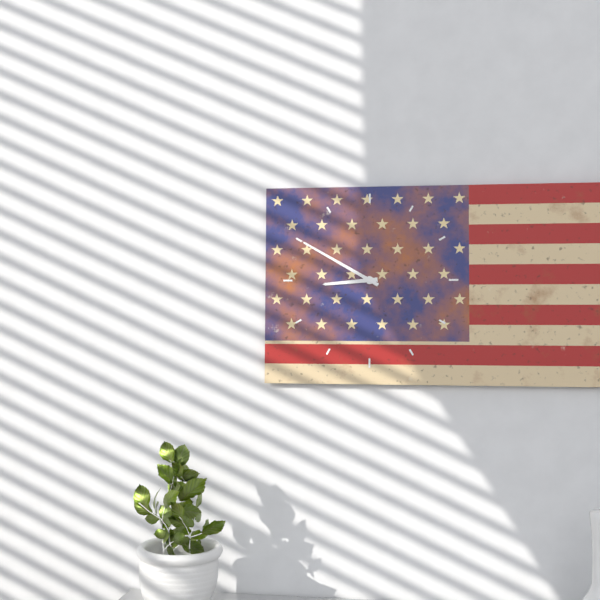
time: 8:50
